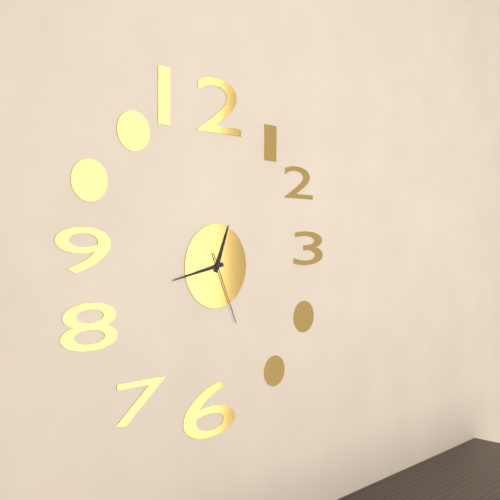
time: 12:43:26
